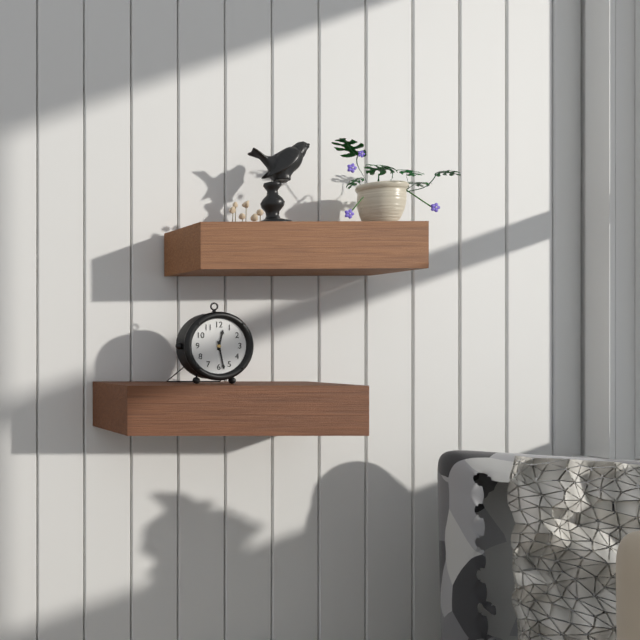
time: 12:28
